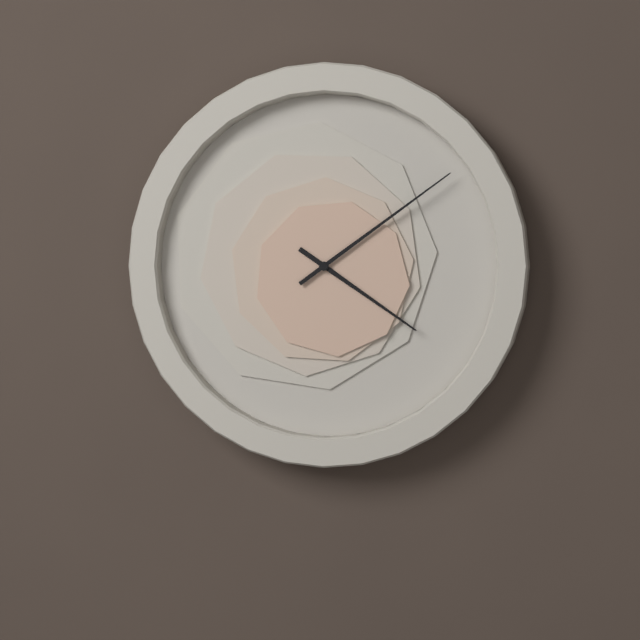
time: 4:09
